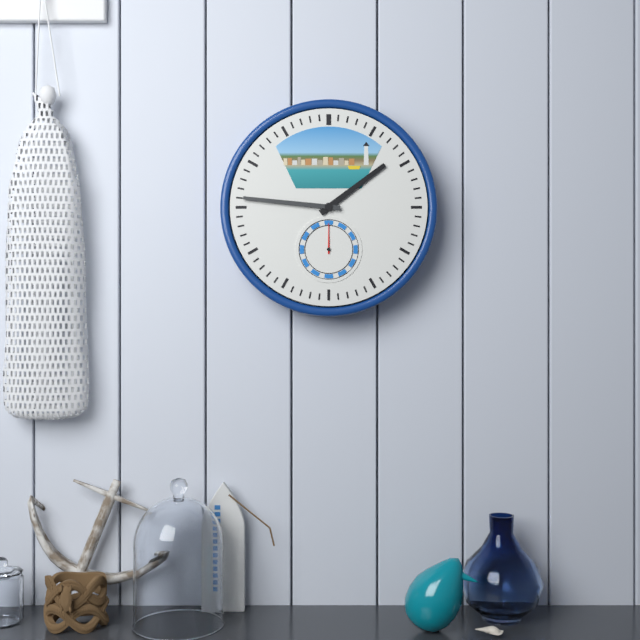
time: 1:46
